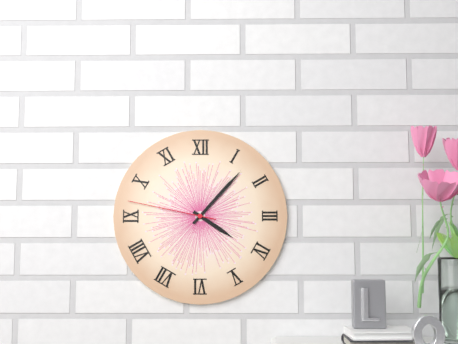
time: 4:07:47
